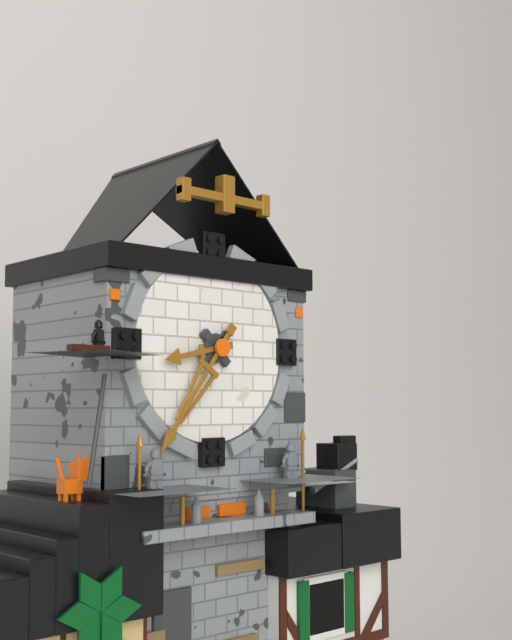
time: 8:36
